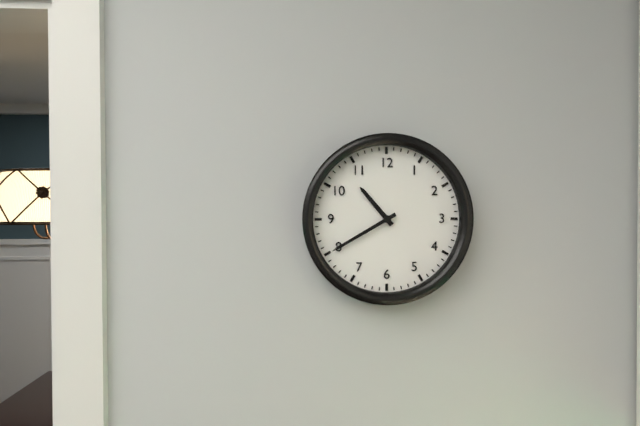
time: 10:40
